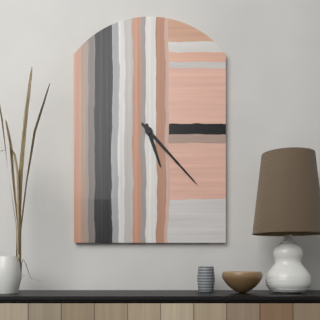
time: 5:23
